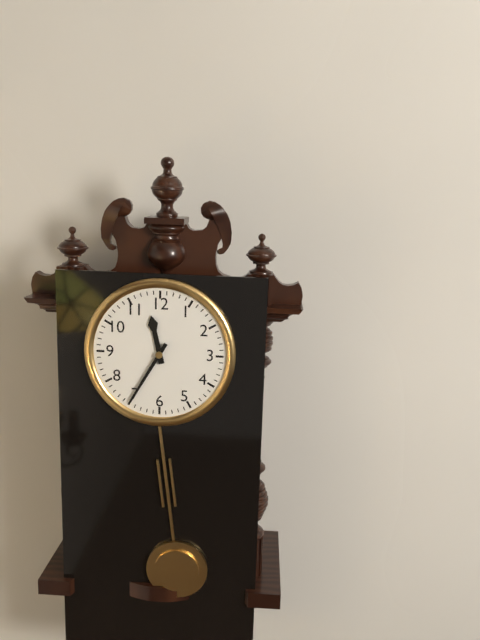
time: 11:35
